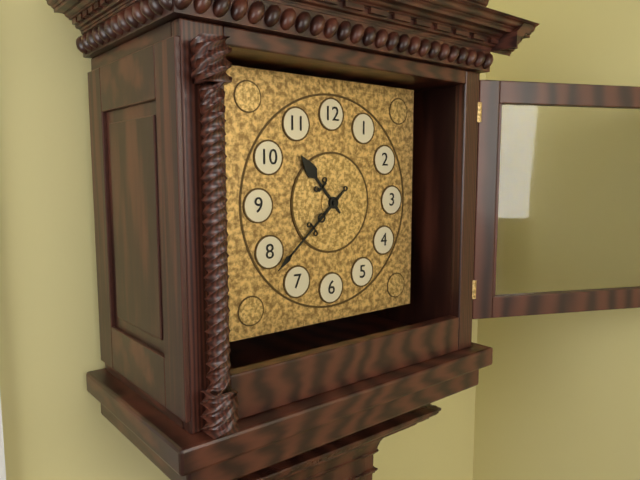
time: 10:38
